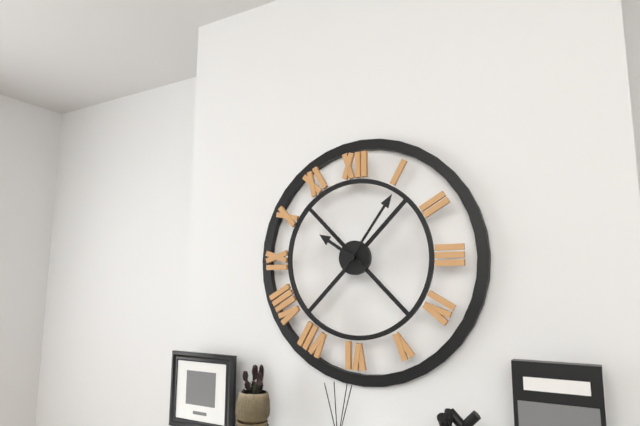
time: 10:06
